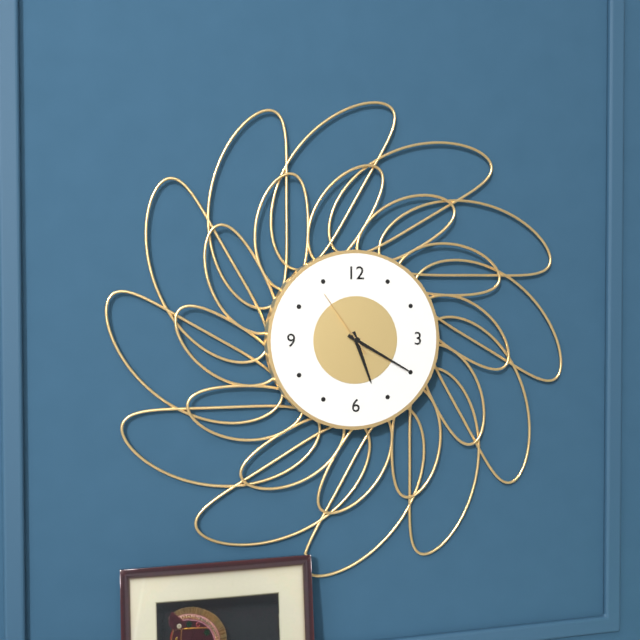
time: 5:20:54
